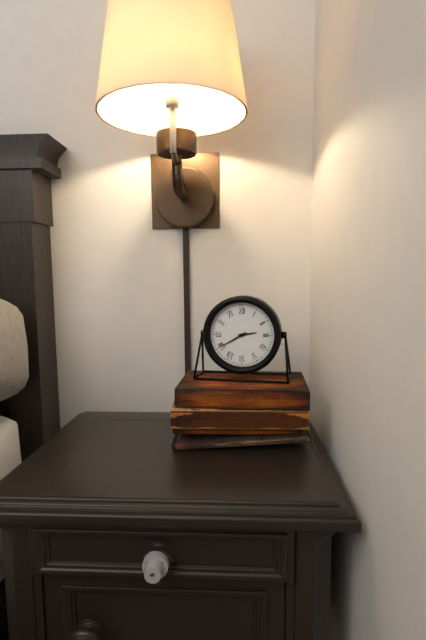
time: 2:40
